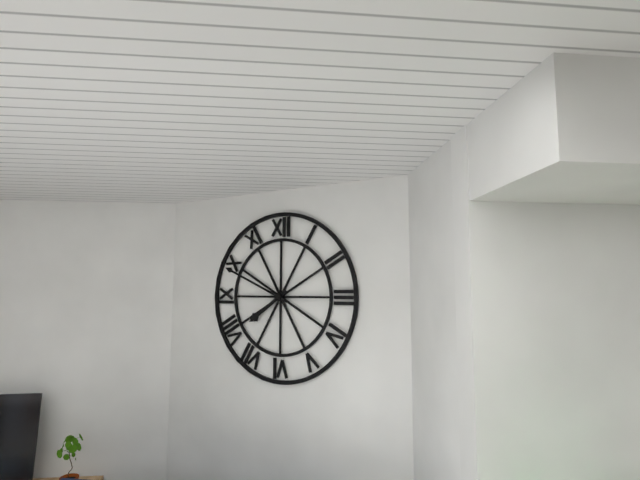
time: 7:49
